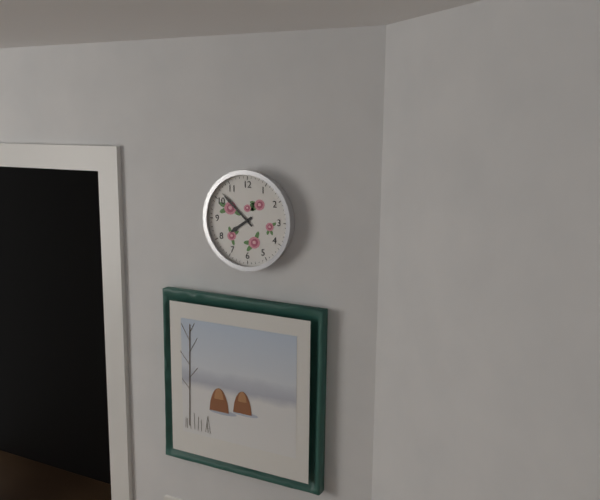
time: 7:52
